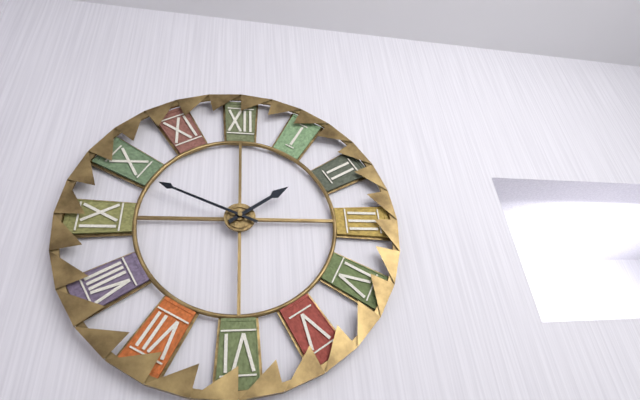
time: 1:49
